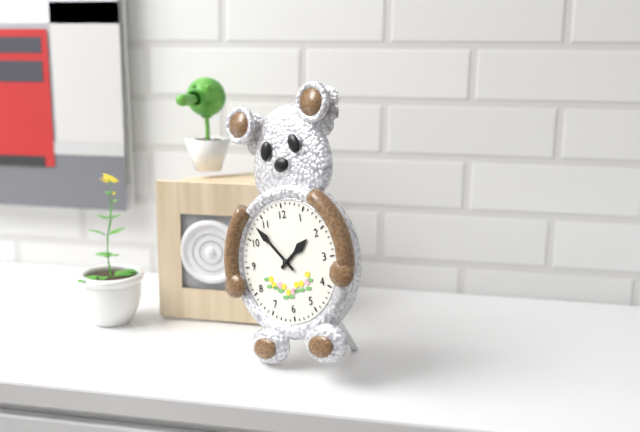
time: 1:53
